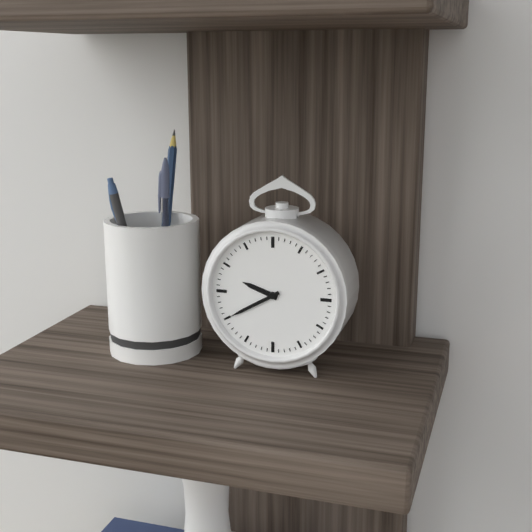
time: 9:40
